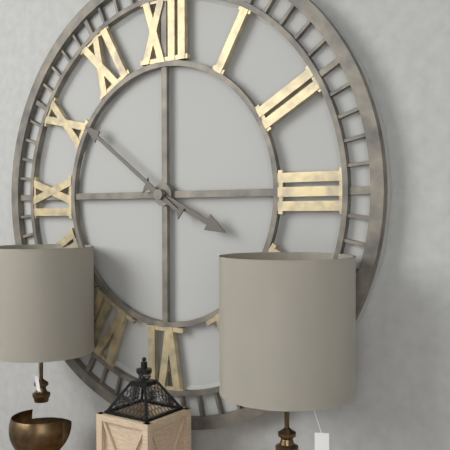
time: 3:51
